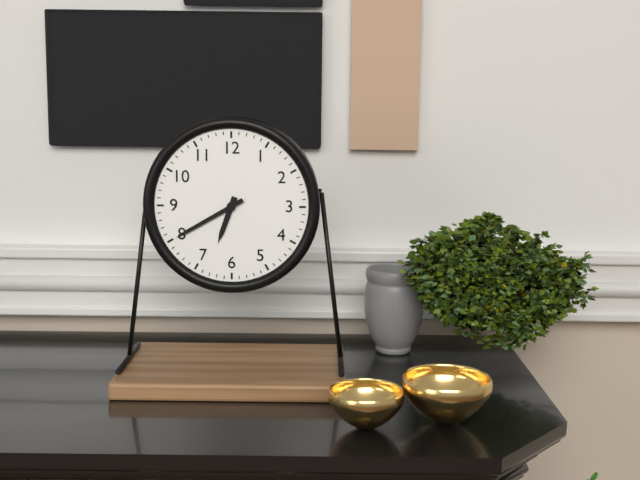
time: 6:40
